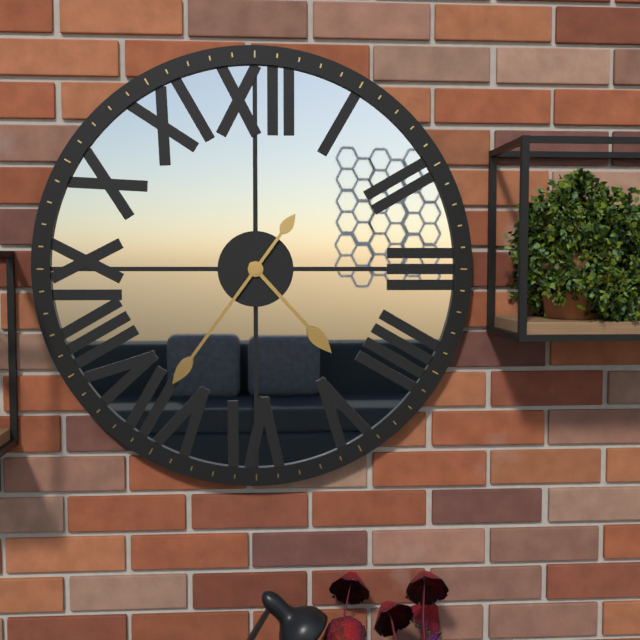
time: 4:36
